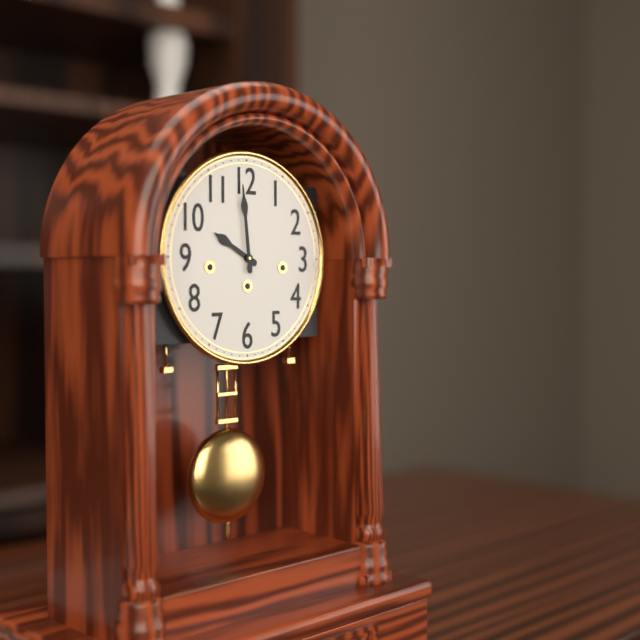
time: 9:59
